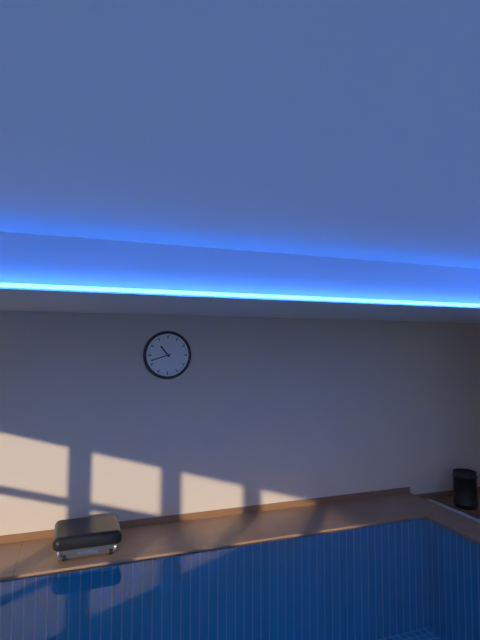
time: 10:42
